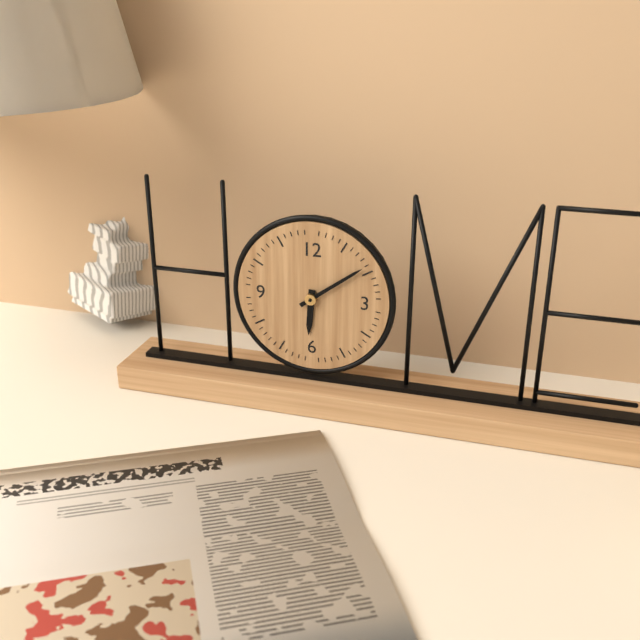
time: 6:09
